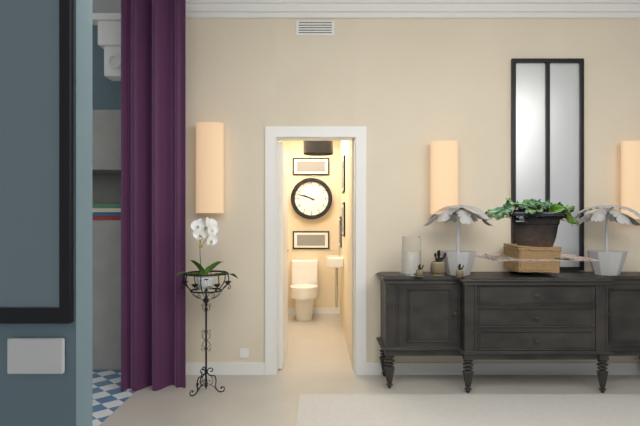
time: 9:48
